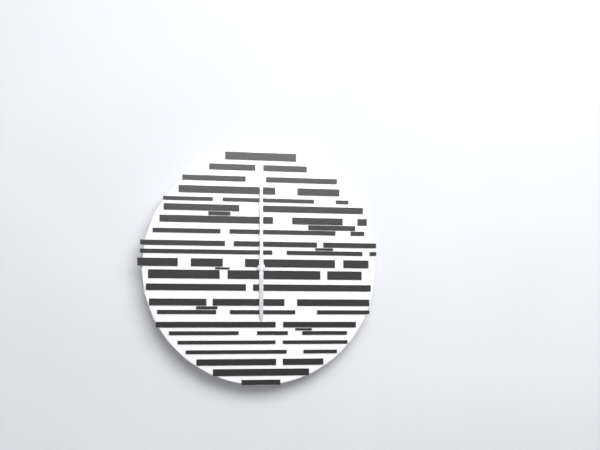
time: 6:00
